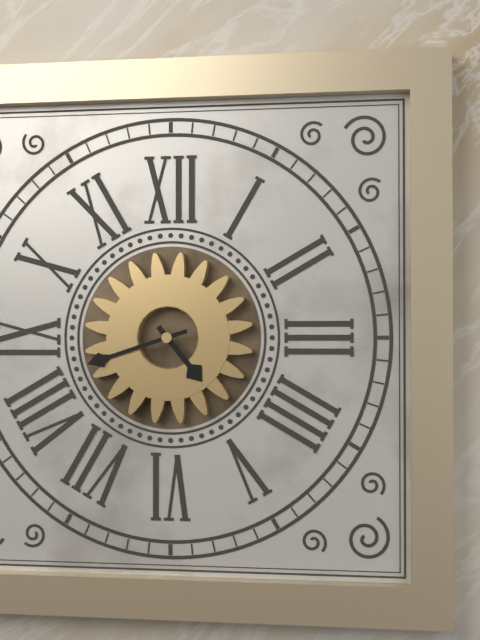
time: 4:42
